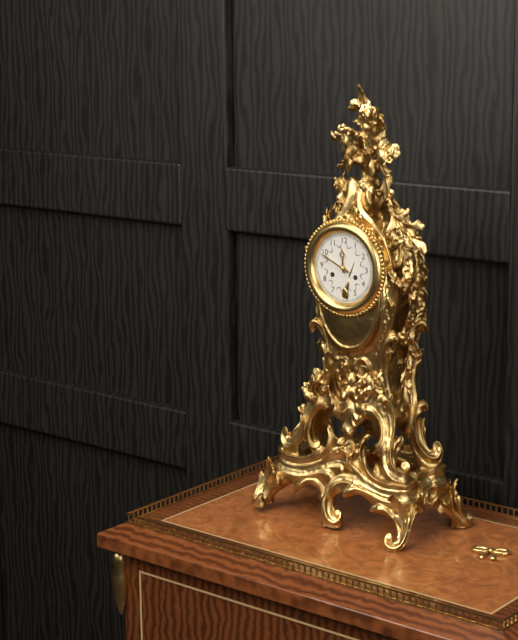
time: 11:49
